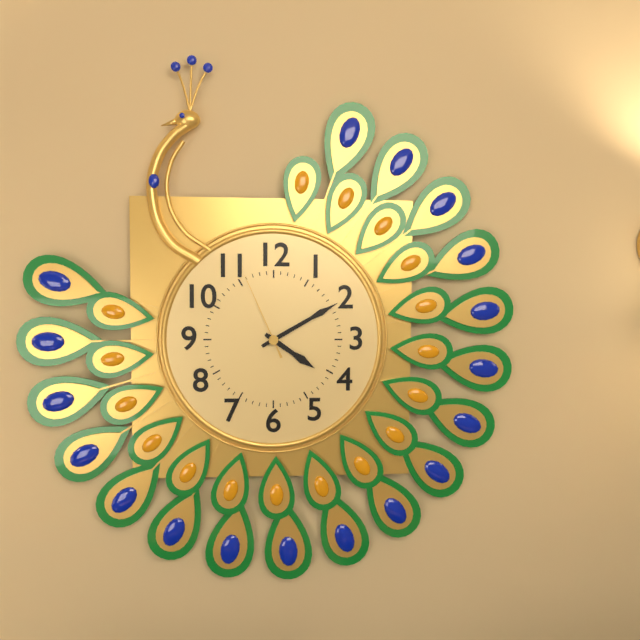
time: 4:10:56
